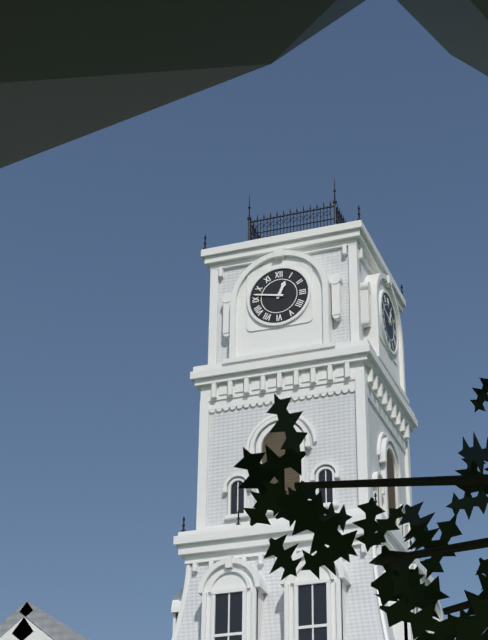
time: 12:47
